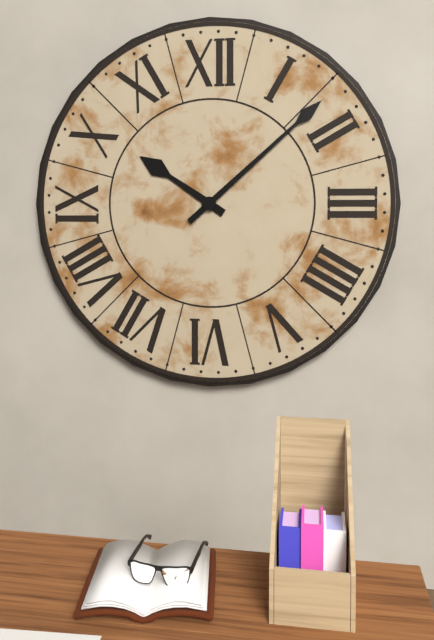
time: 10:08
